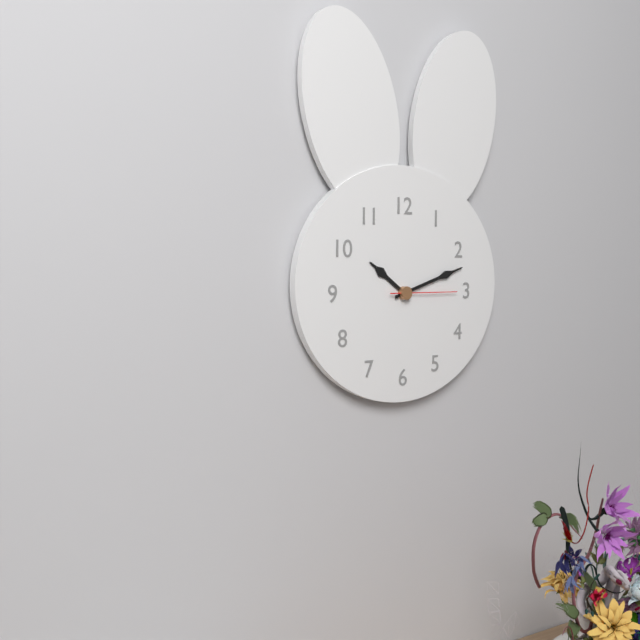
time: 10:12:15
